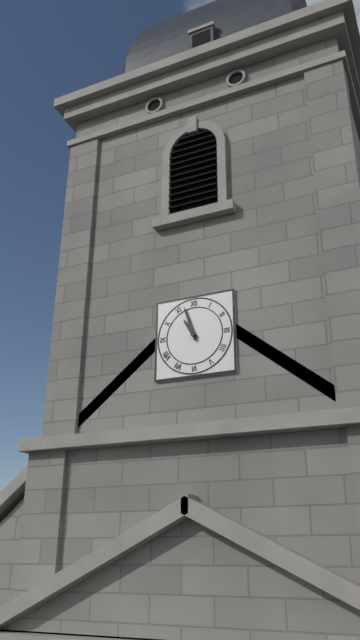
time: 10:57
